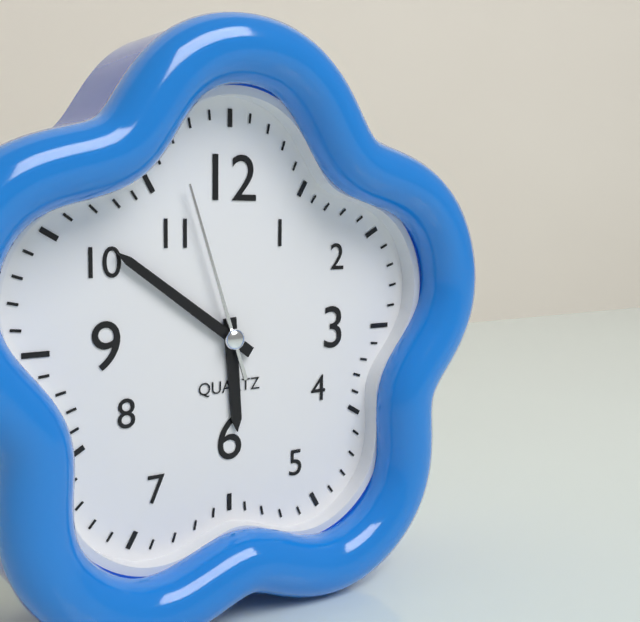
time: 5:51:57
